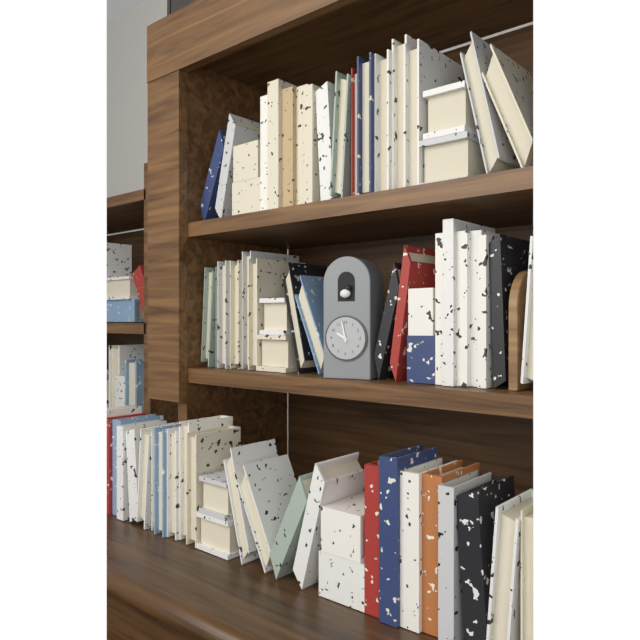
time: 9:58
